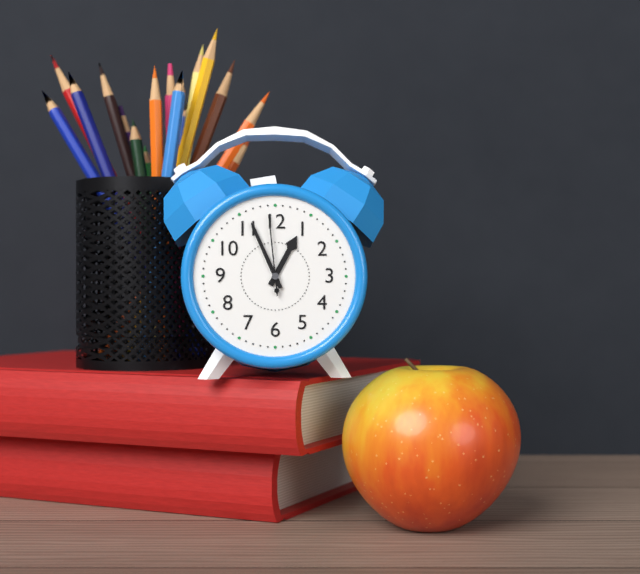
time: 12:56:59
